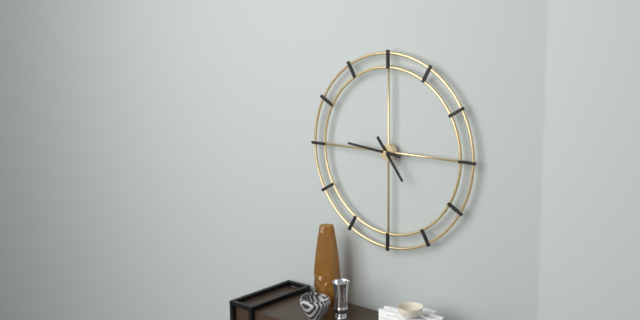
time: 4:46
